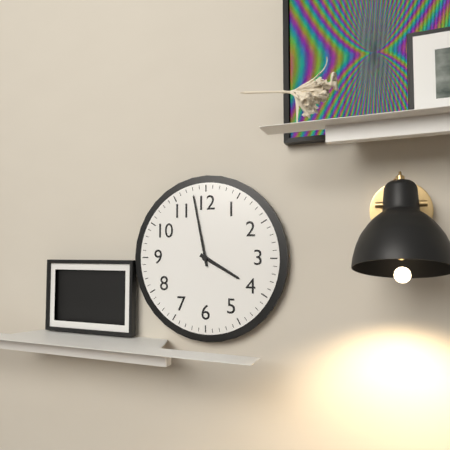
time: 3:58
